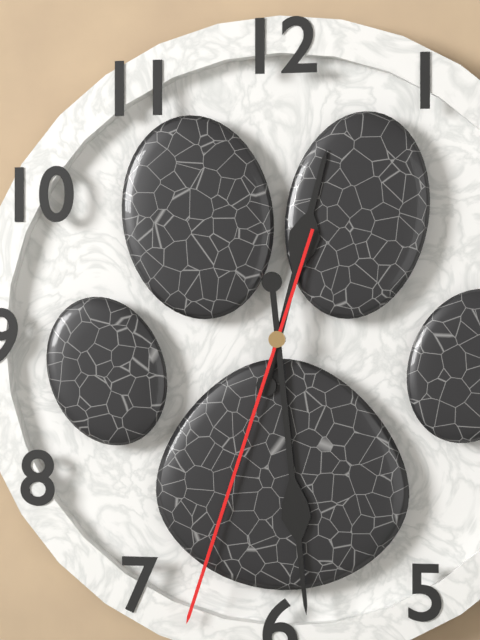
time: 12:29:33
